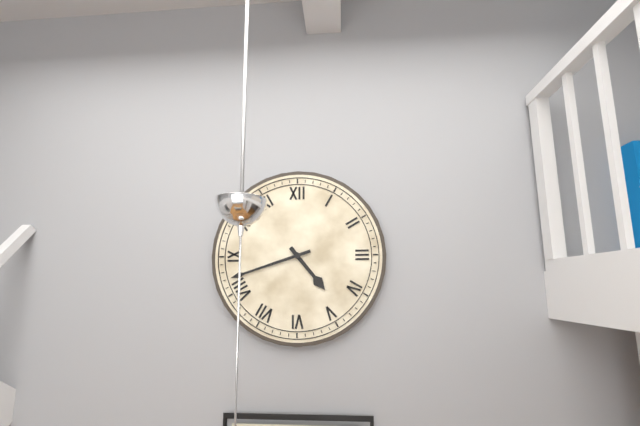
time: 4:42
